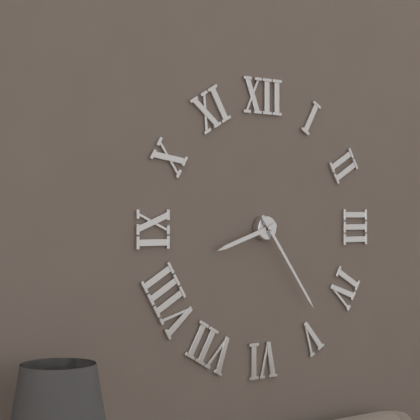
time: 8:24
